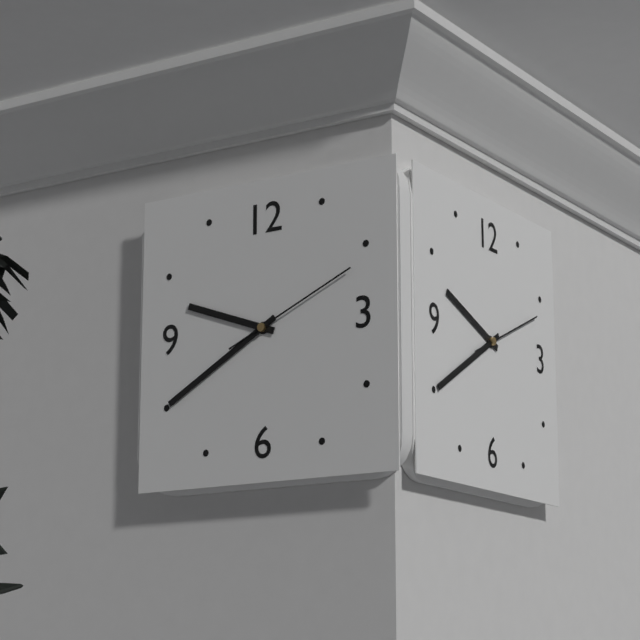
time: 9:40:11
